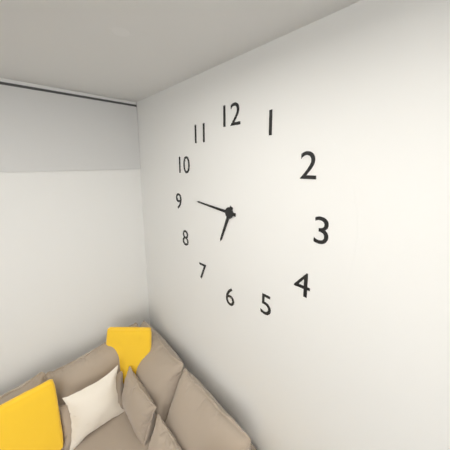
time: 6:46
